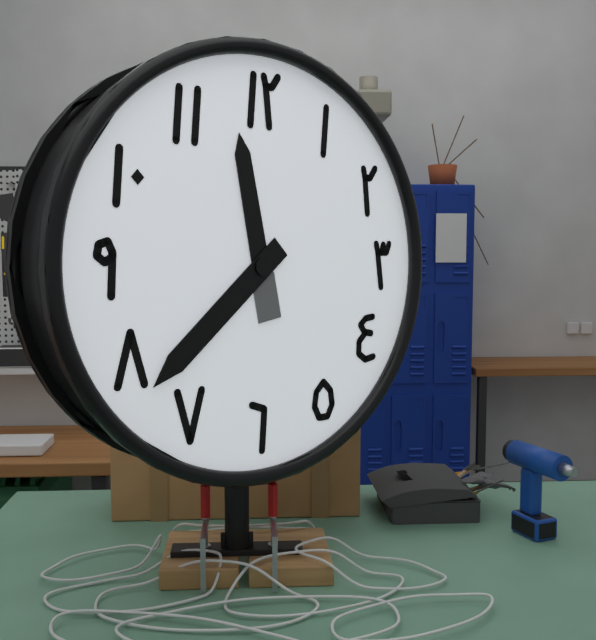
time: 11:38
